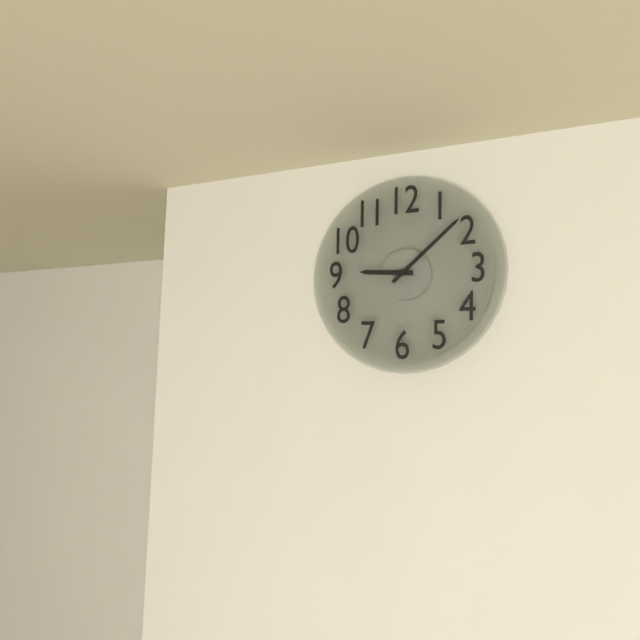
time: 9:08
